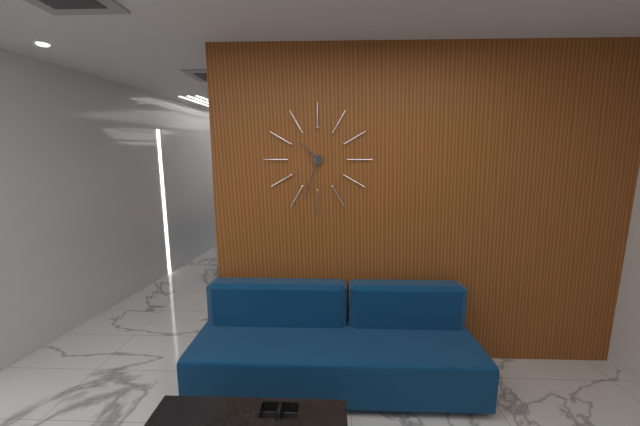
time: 10:33
